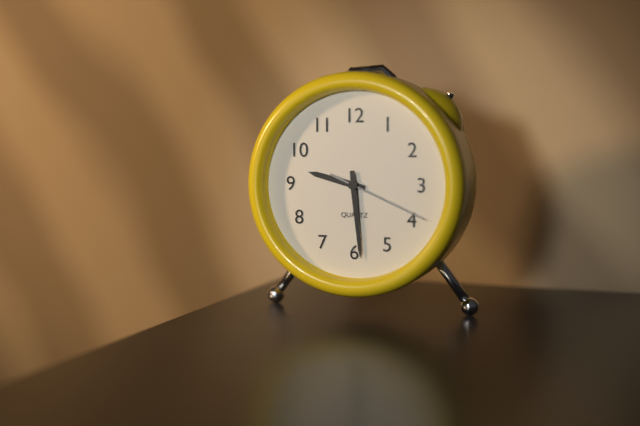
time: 9:29:19
